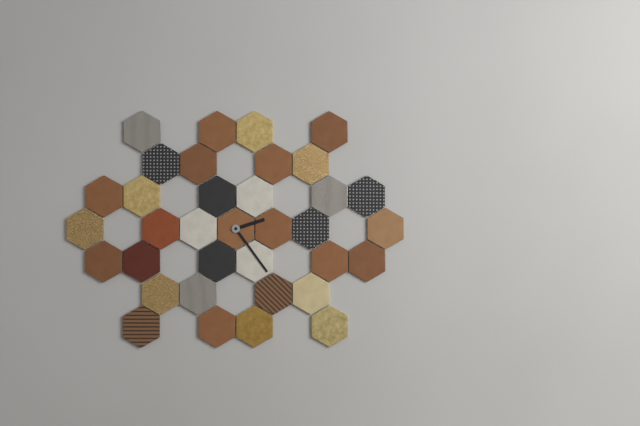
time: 2:24
